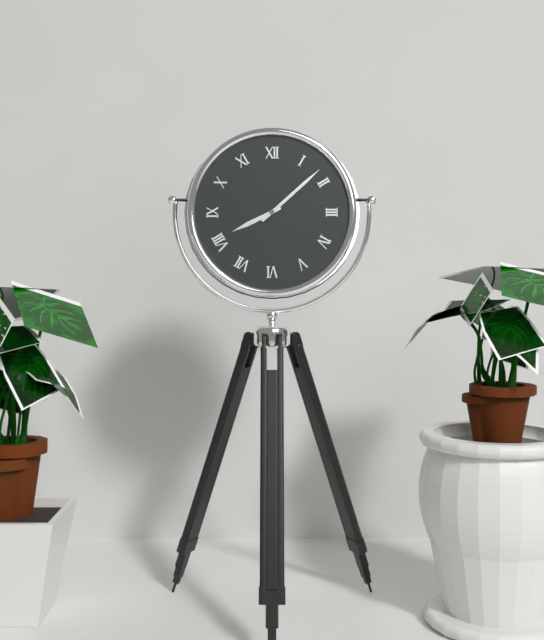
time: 8:08
